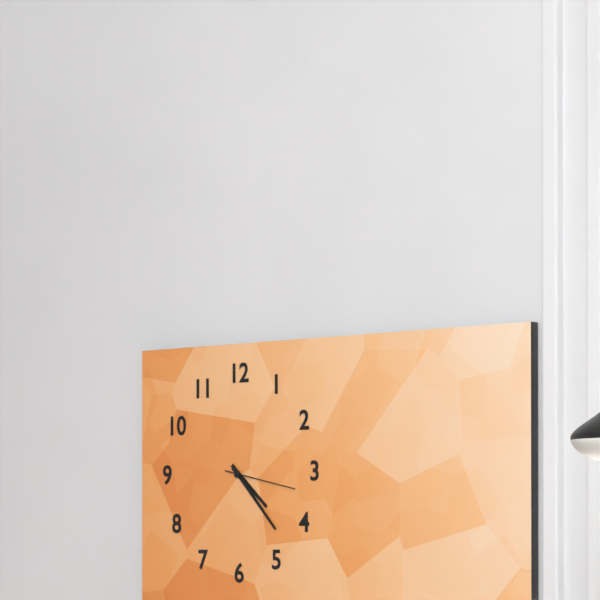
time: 4:23:17
